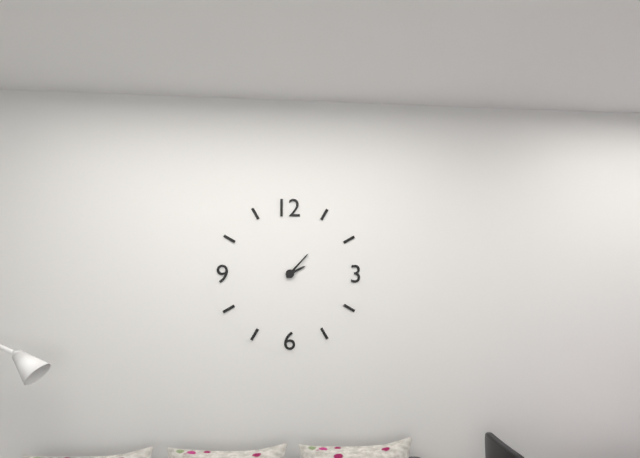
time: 2:07
